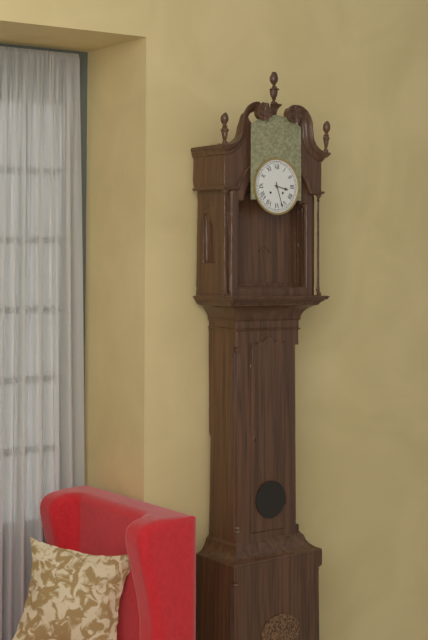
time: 3:27
